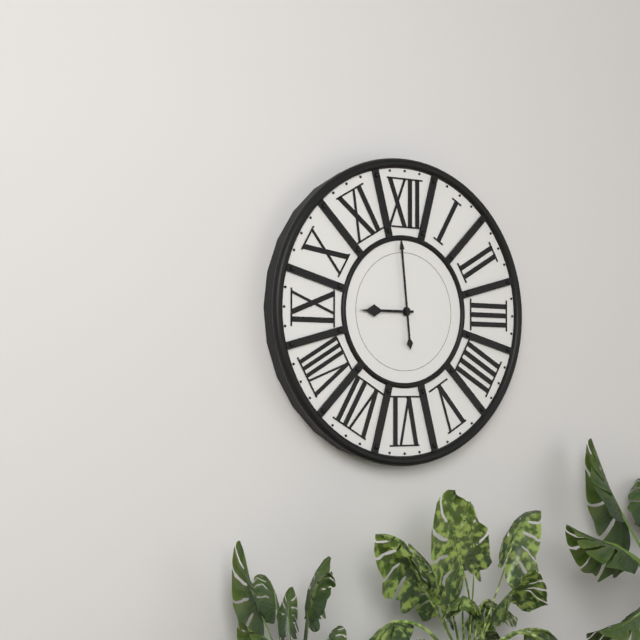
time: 8:59
